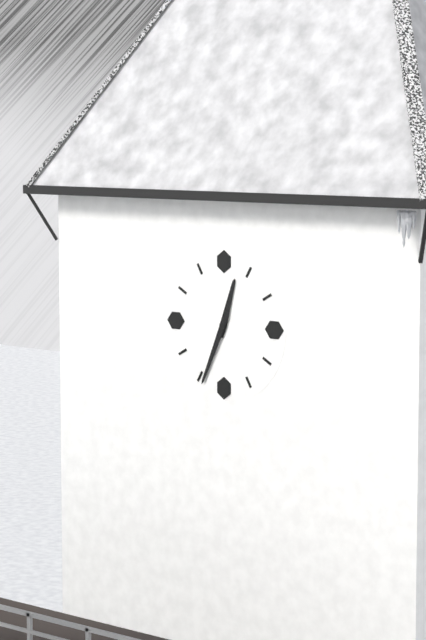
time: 12:34
